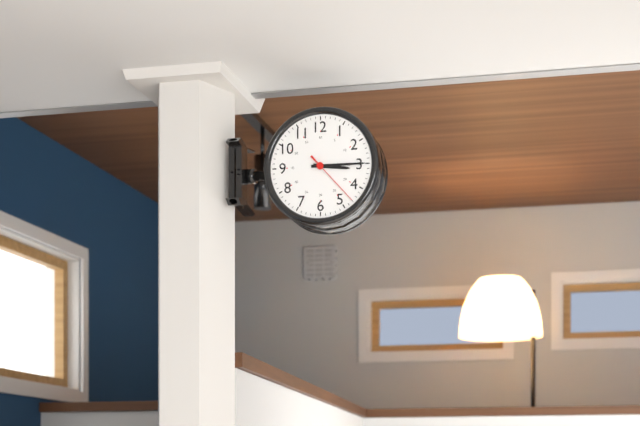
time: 3:15
